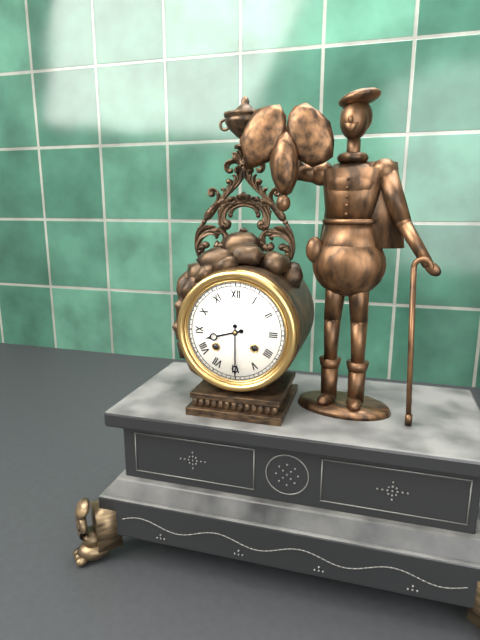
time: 8:30
